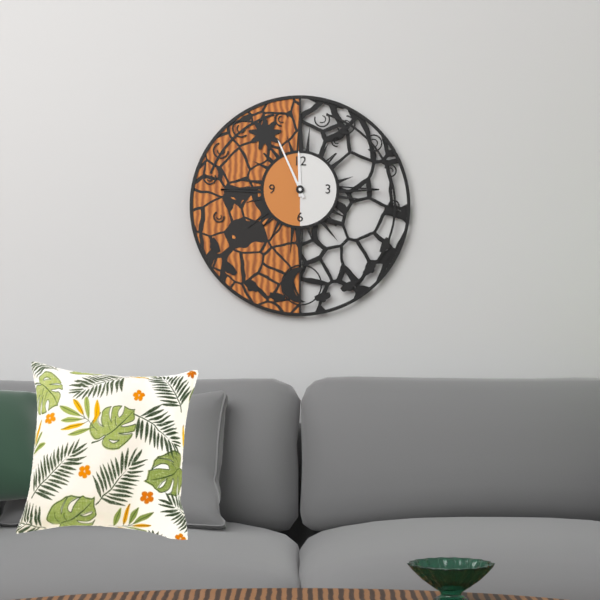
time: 11:56
